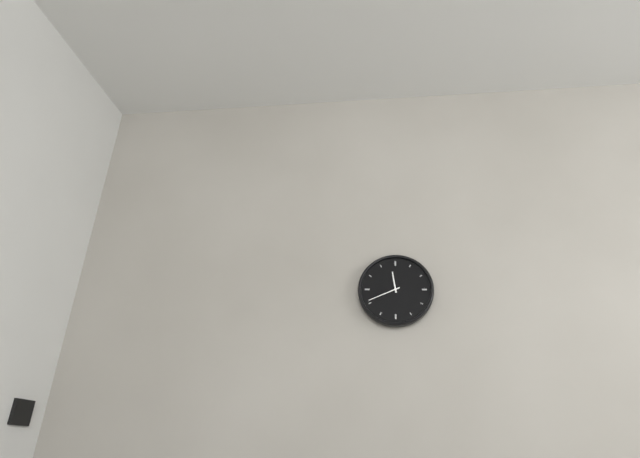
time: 11:41
